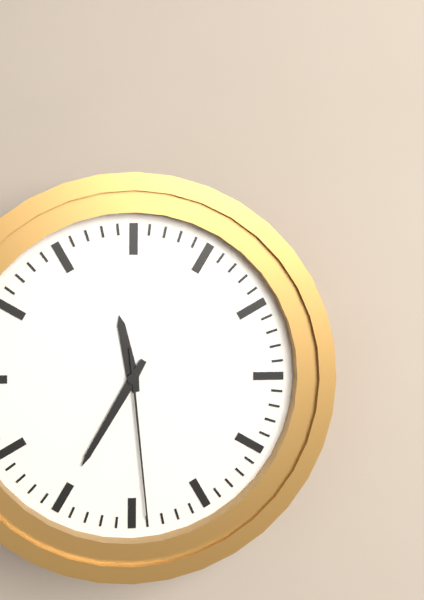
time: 11:35:29
